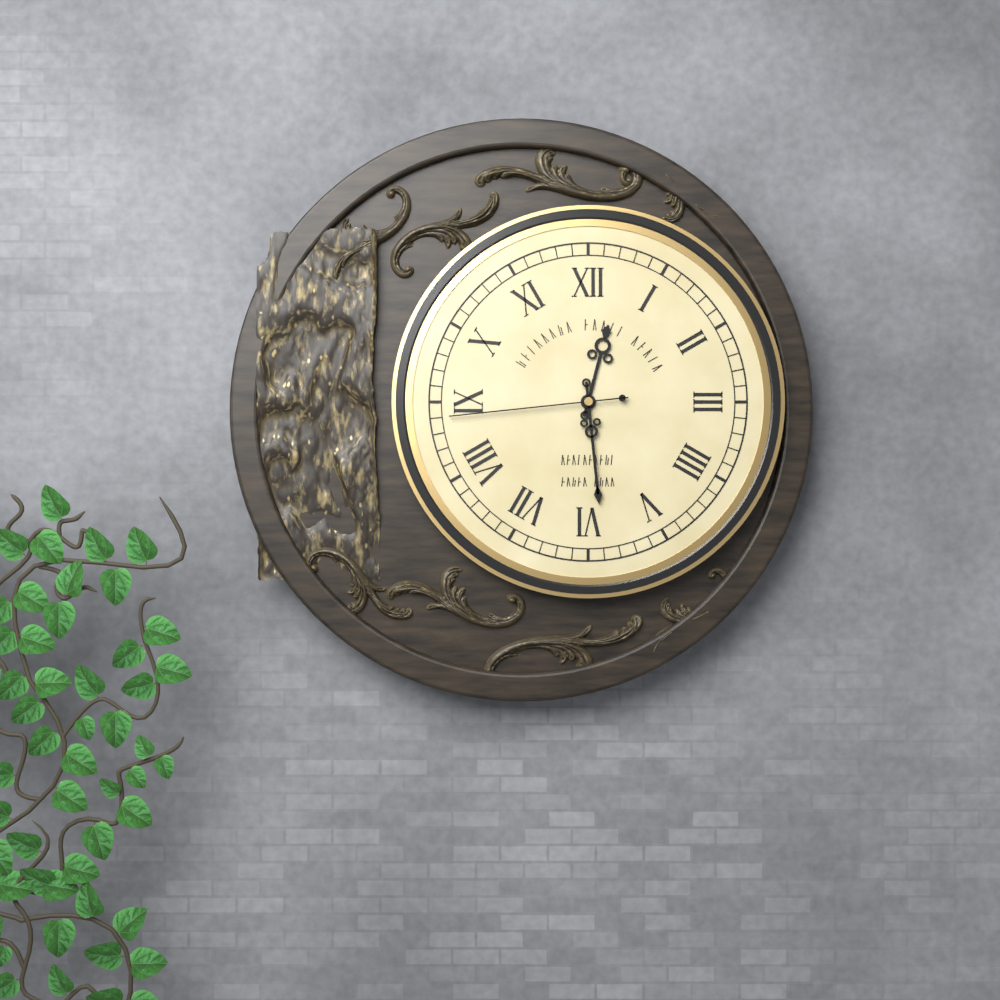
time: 12:29:44
